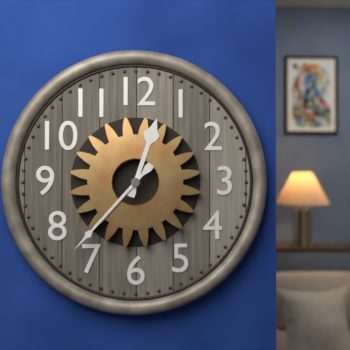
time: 12:37
